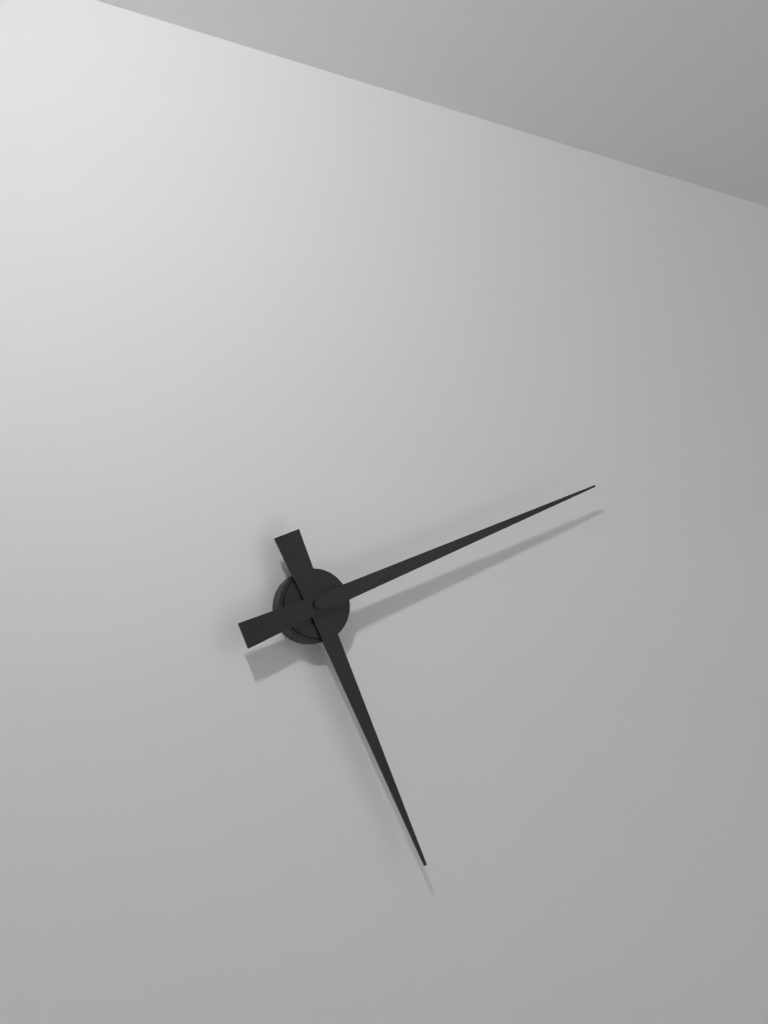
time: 5:11
